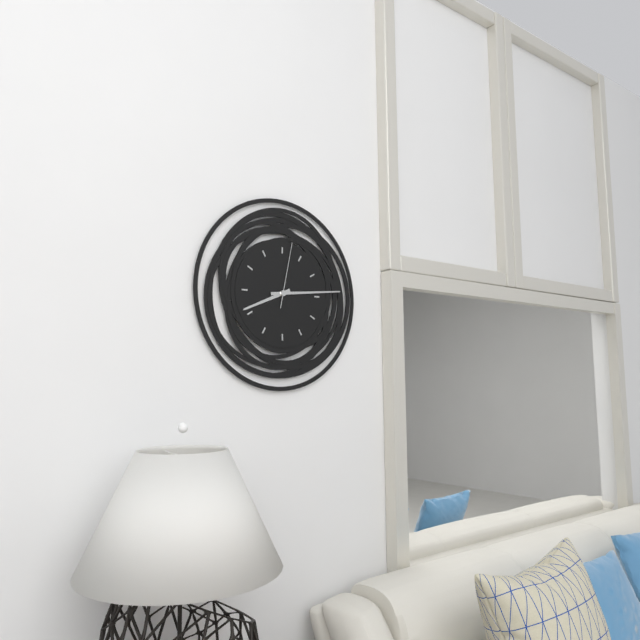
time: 8:14:02
